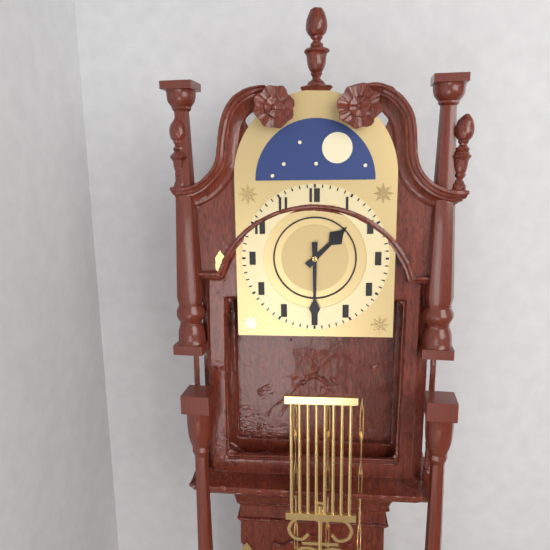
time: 1:30
